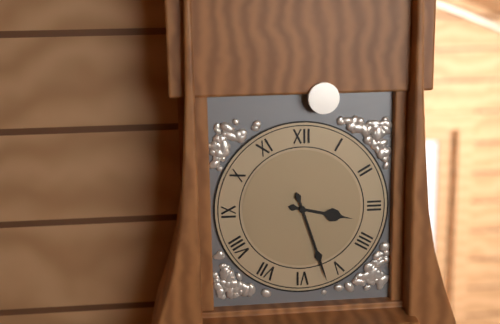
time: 3:27
